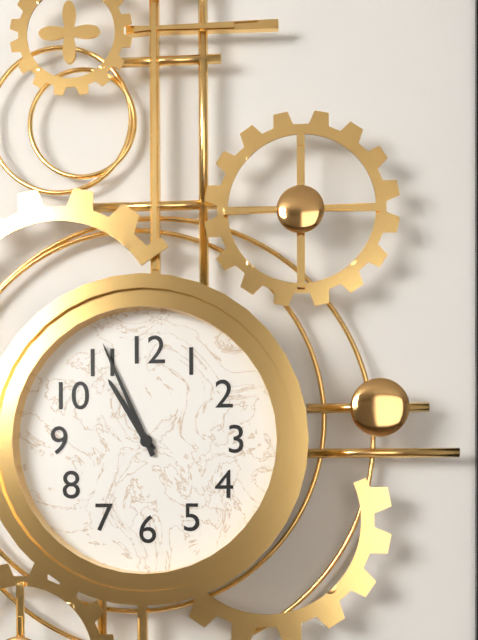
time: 10:56
